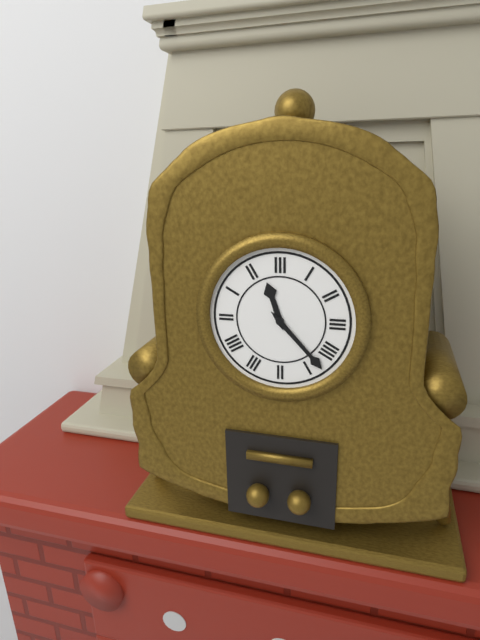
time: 11:23
